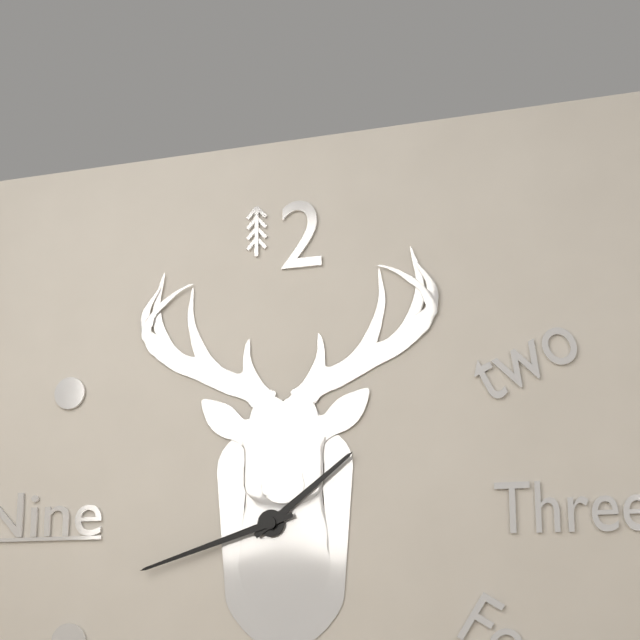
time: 1:42
